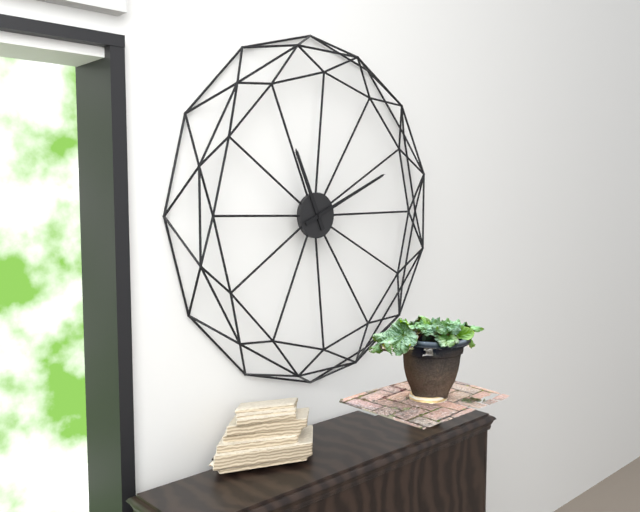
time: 11:11
